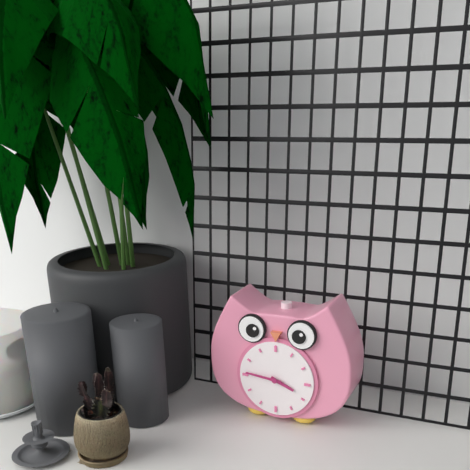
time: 3:46
